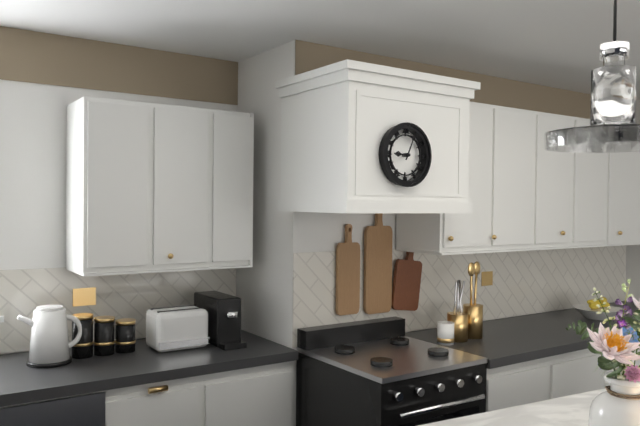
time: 9:04
